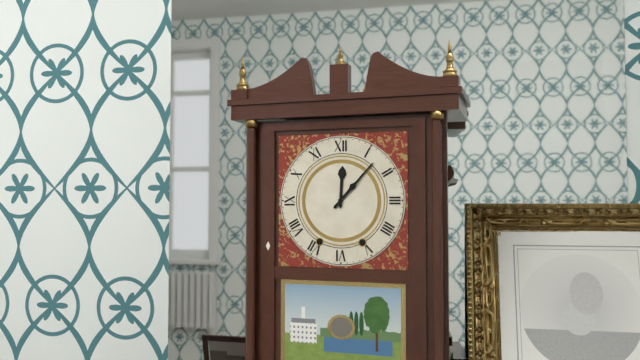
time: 12:07
